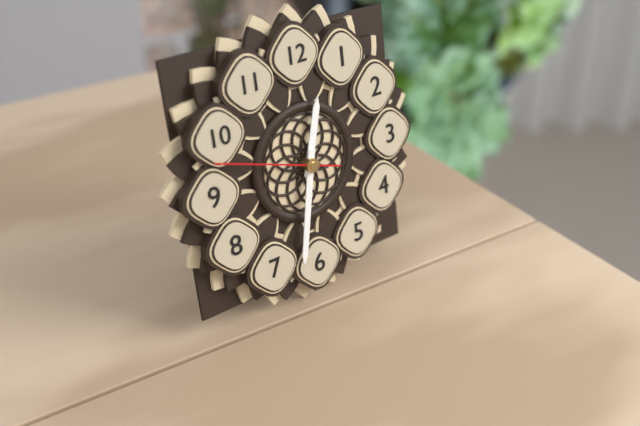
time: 12:32:48
